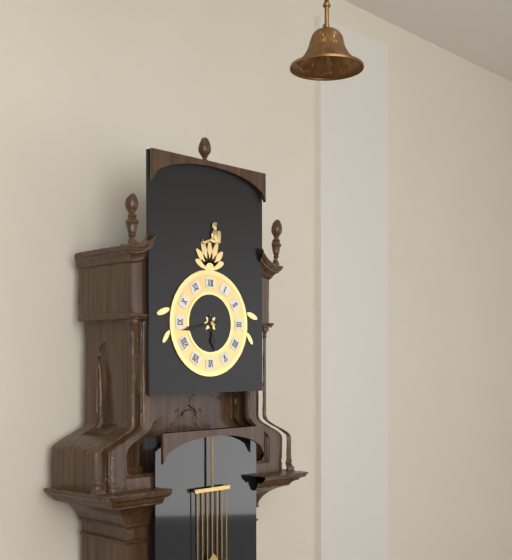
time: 5:43
